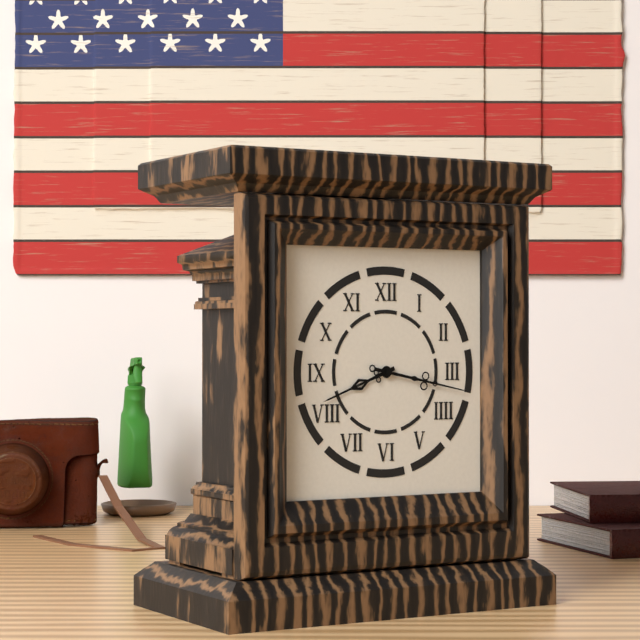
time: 8:17
